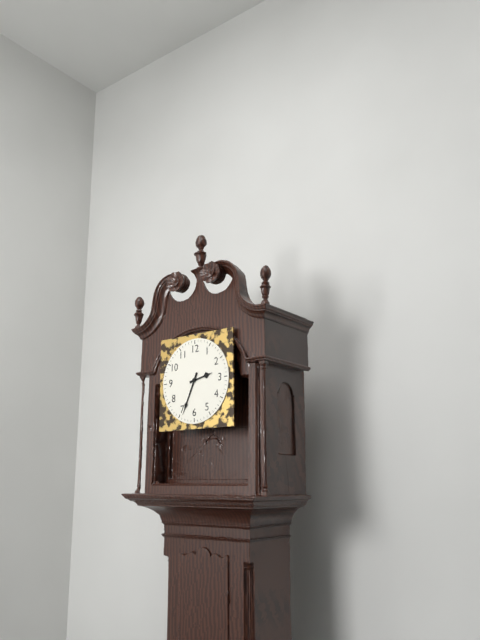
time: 2:34
